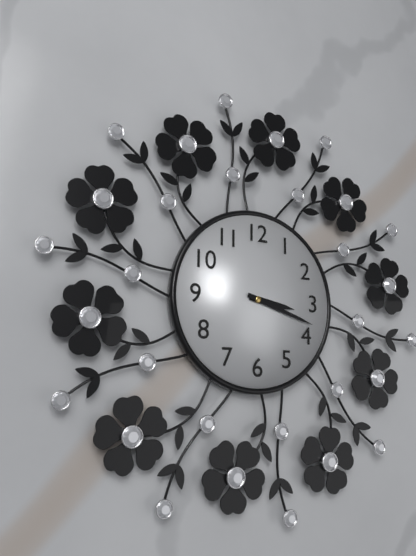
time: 3:18
